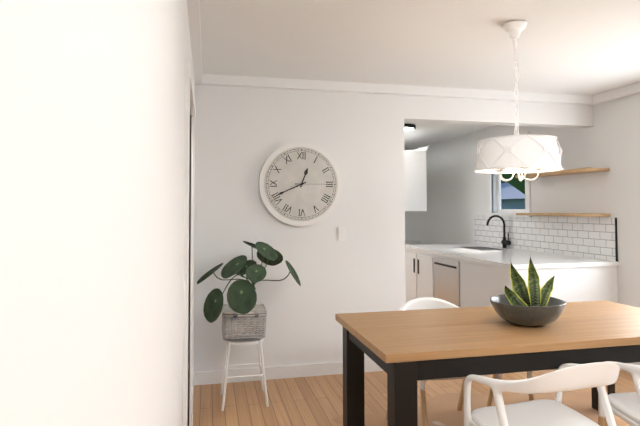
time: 12:41
